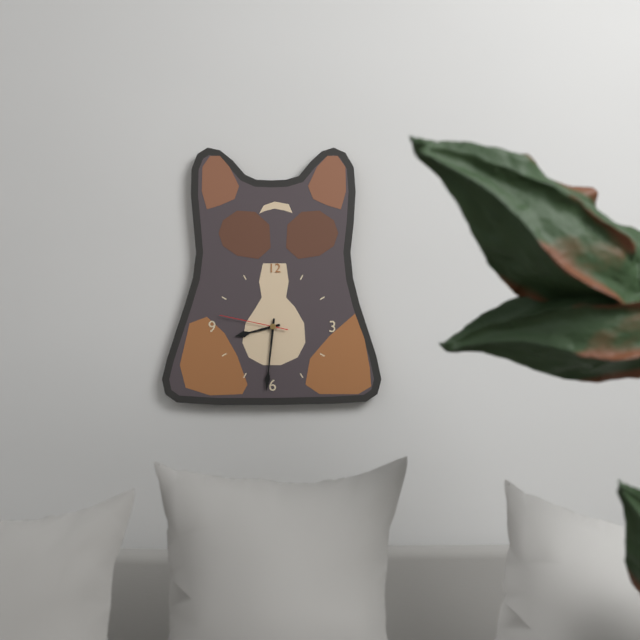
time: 8:31:47
